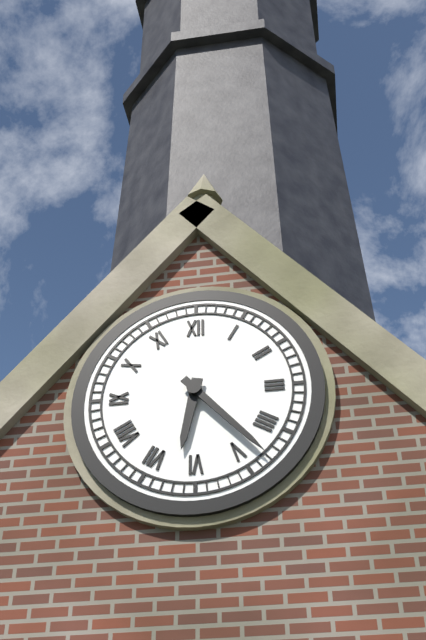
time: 6:23
